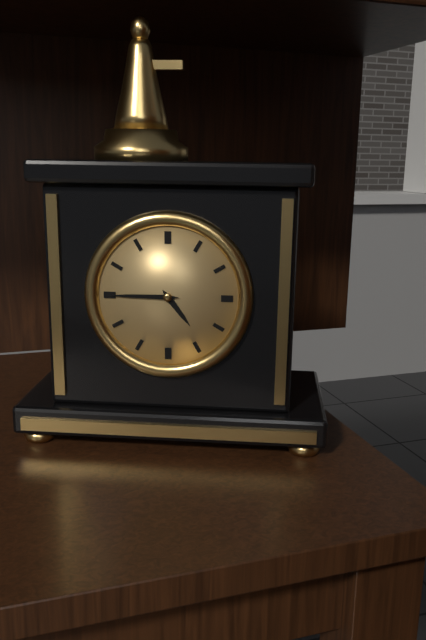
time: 4:45
